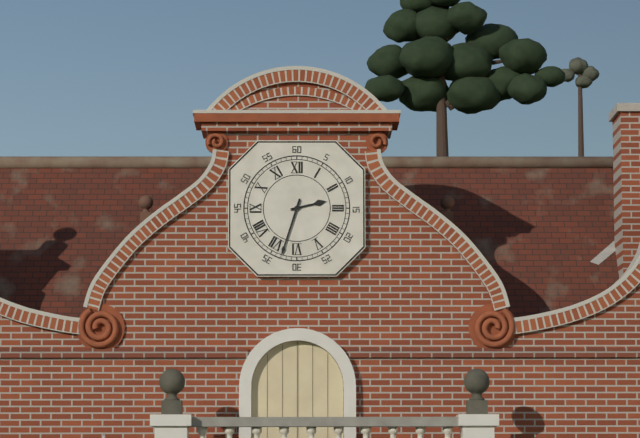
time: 2:33
